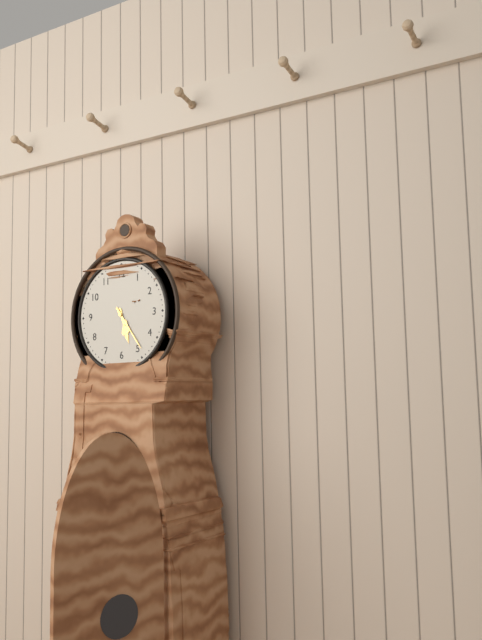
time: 5:24
